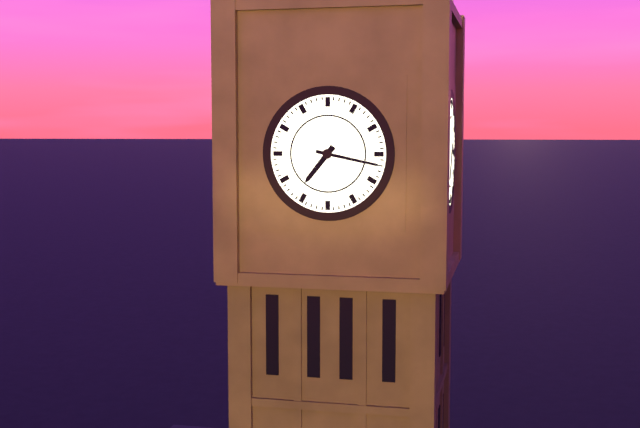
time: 7:17
